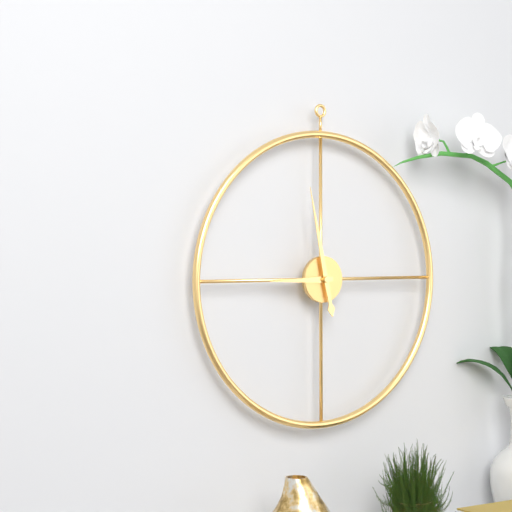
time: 8:58
